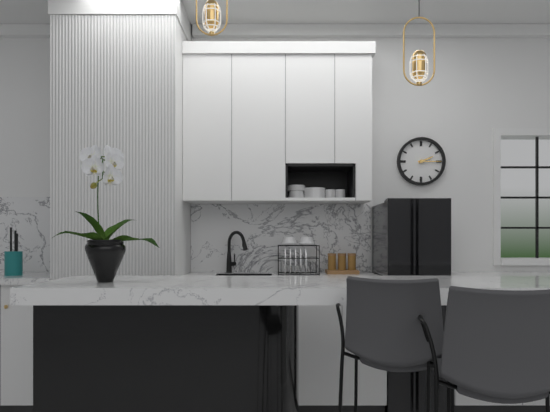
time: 2:15
